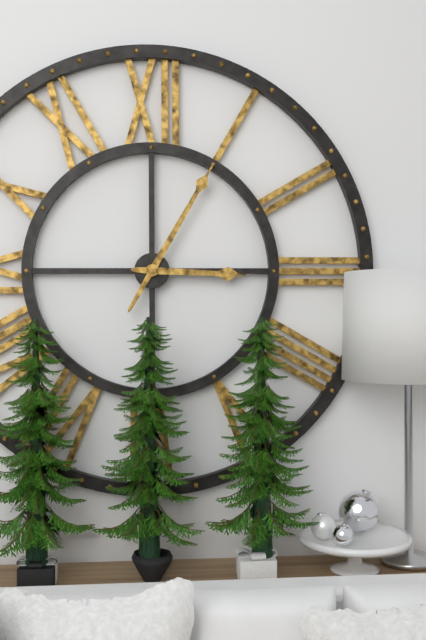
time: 3:05
